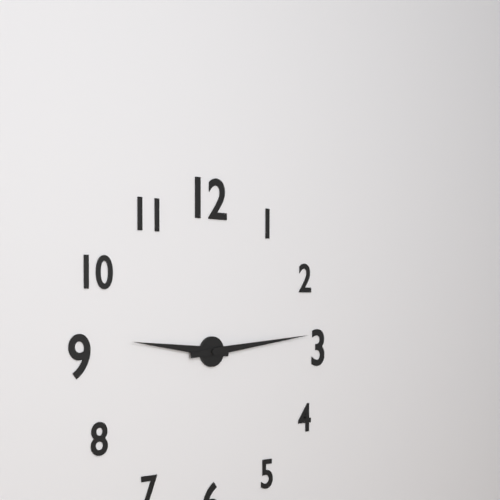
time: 9:14
